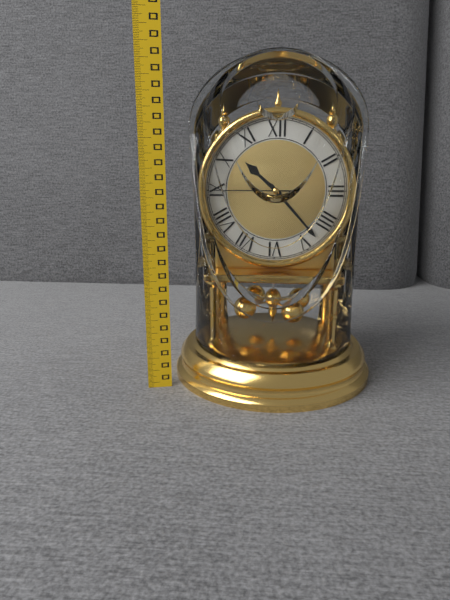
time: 10:23:45
